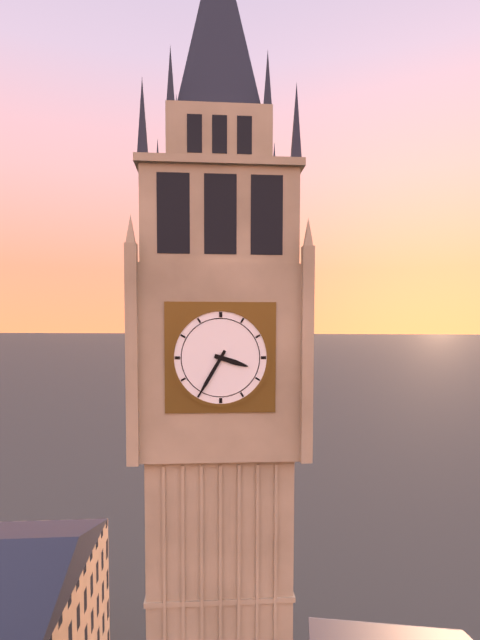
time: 3:35
